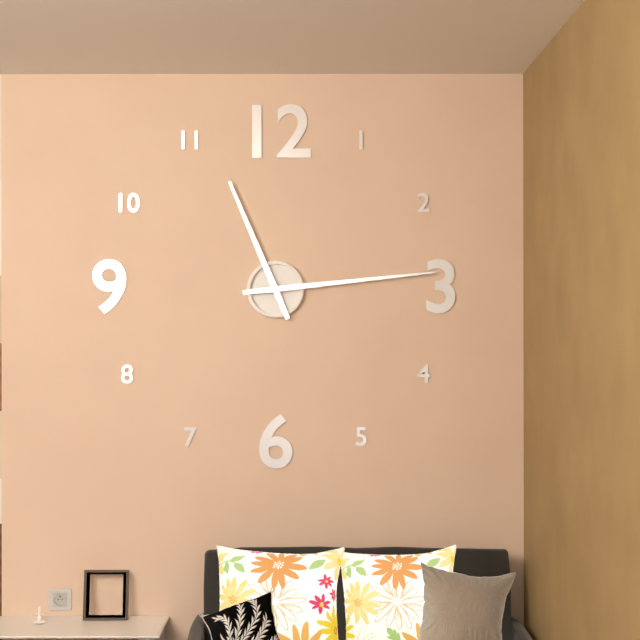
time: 11:14
